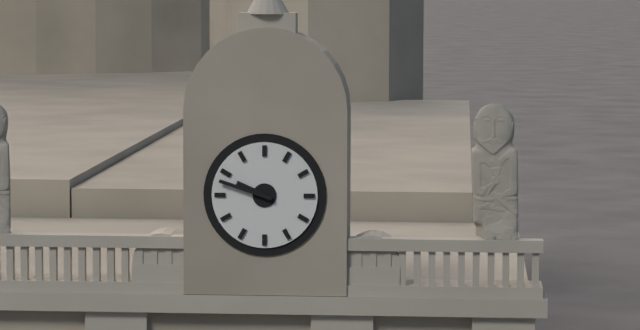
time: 9:48
